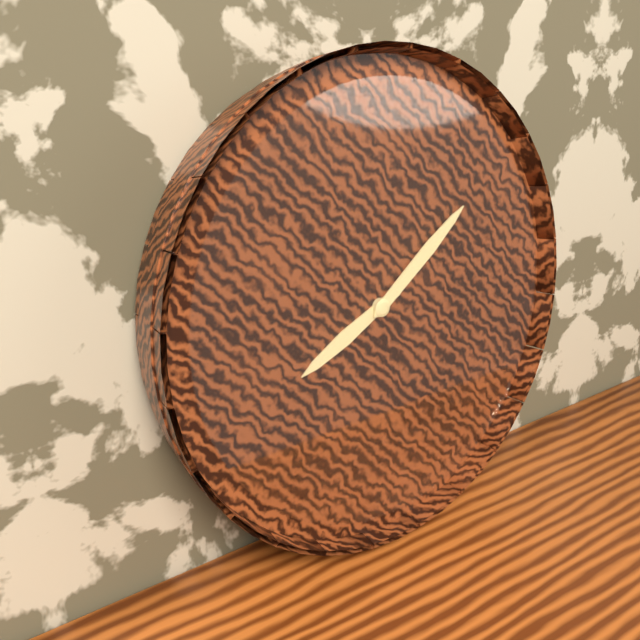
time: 8:09
